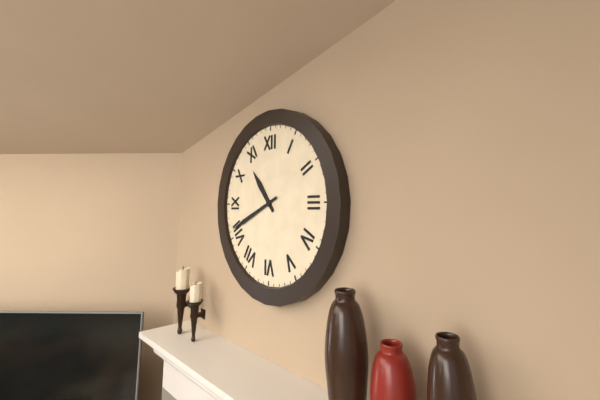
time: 10:41
